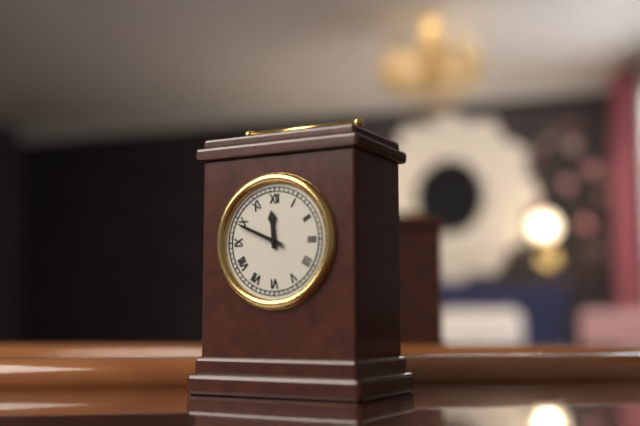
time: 11:49
